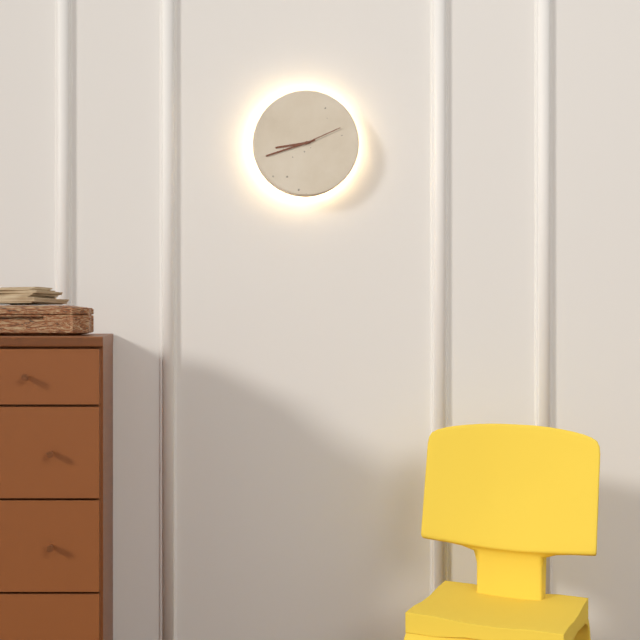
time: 8:42
